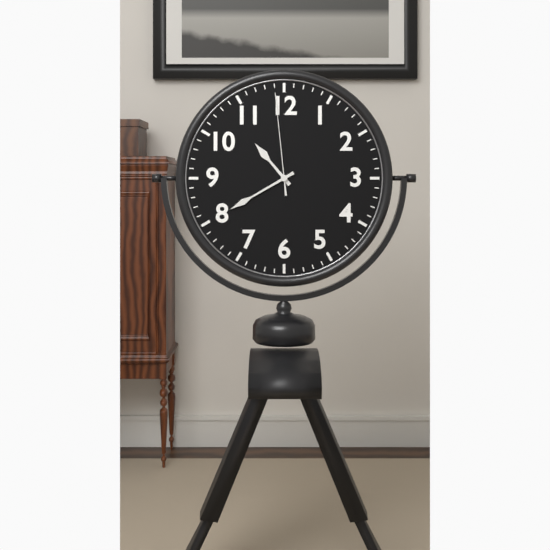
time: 10:40:59
